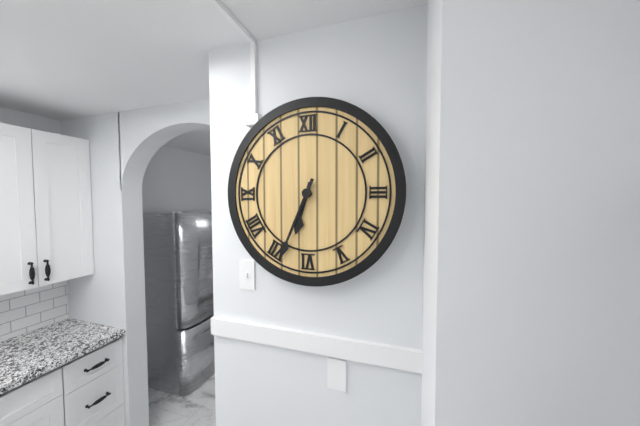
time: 6:34
